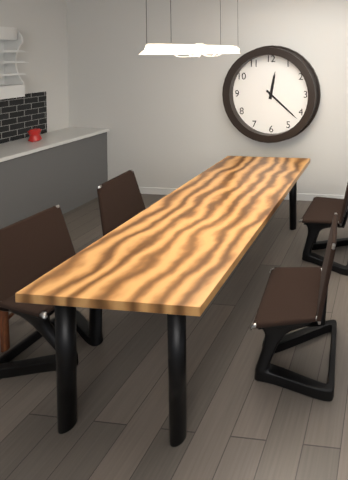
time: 12:22
